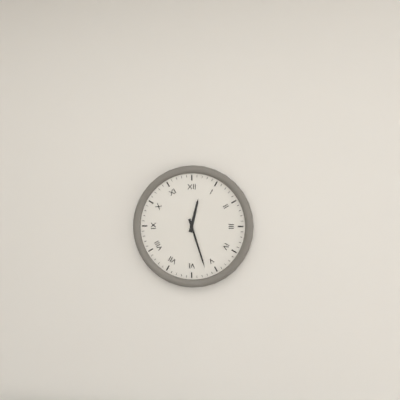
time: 12:27
